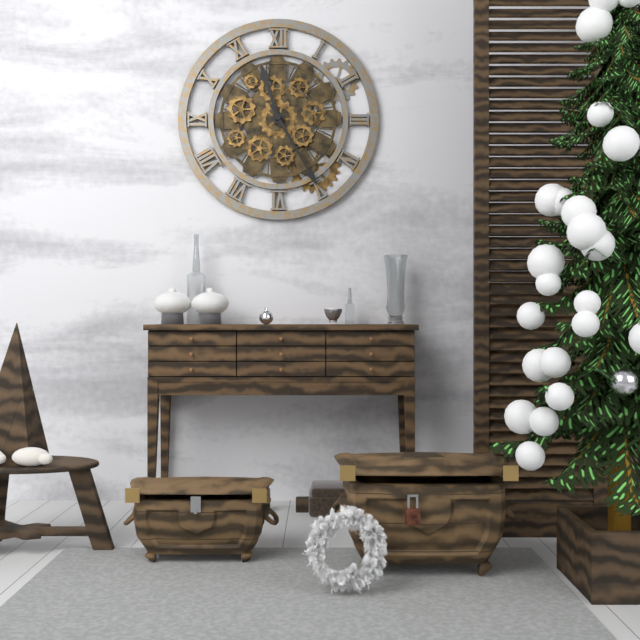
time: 11:25
